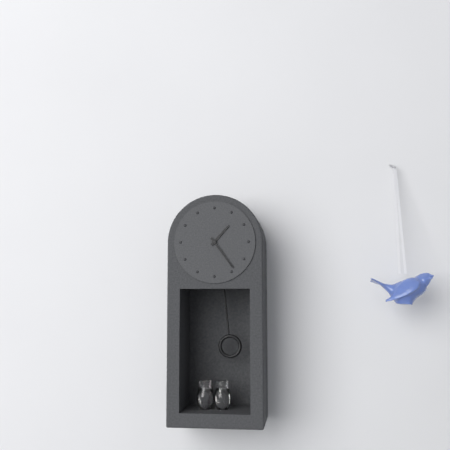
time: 1:24
